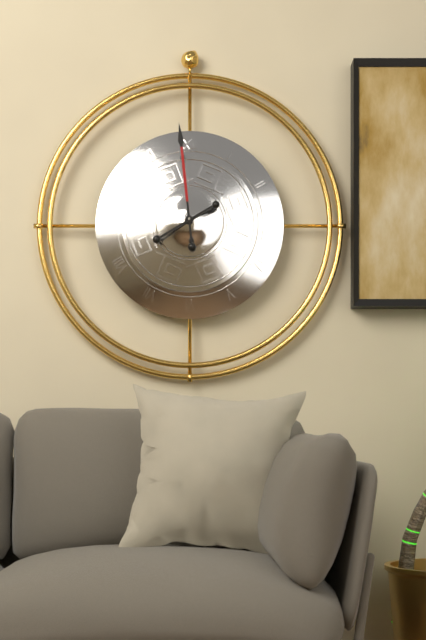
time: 7:59
